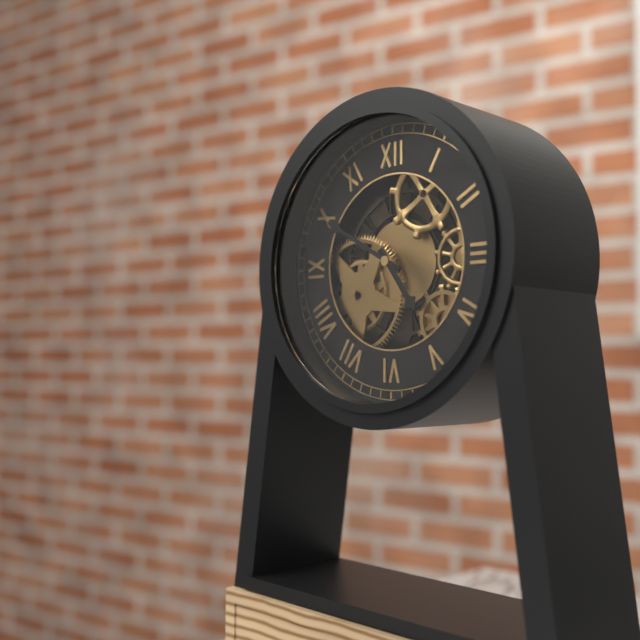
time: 4:50
